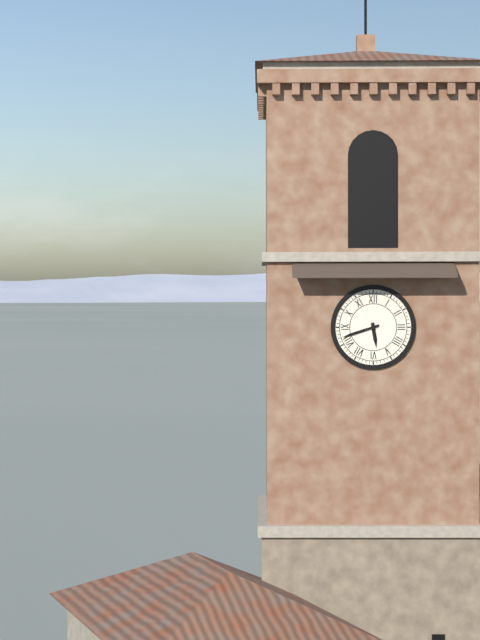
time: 5:42
